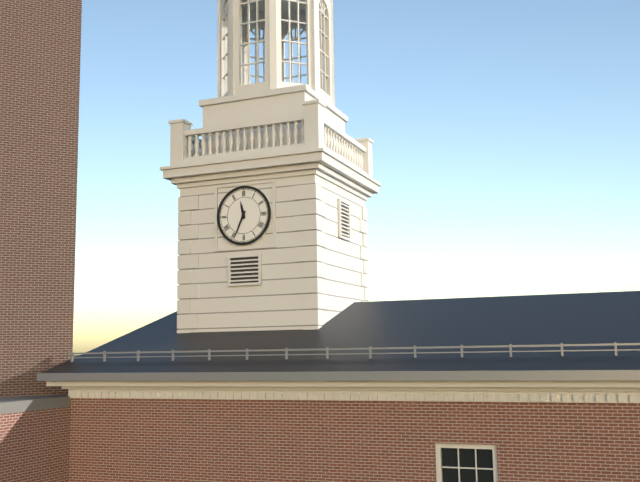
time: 11:34
